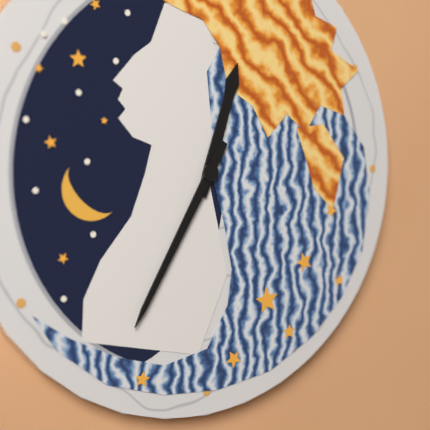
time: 12:35
